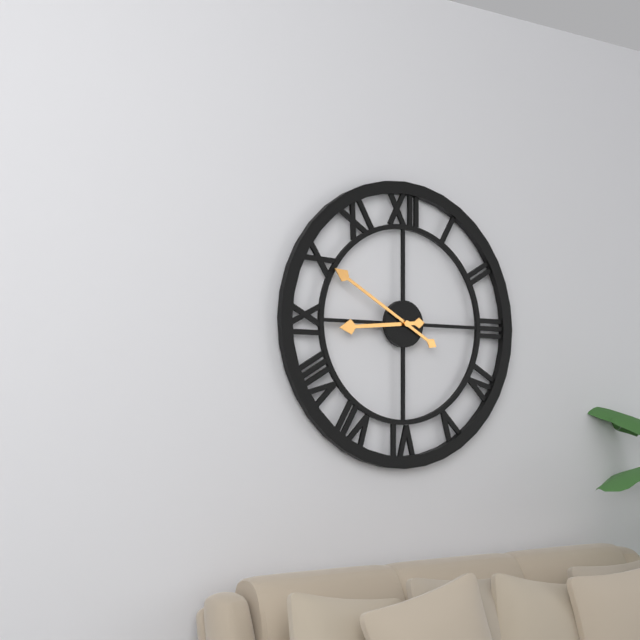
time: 8:50
